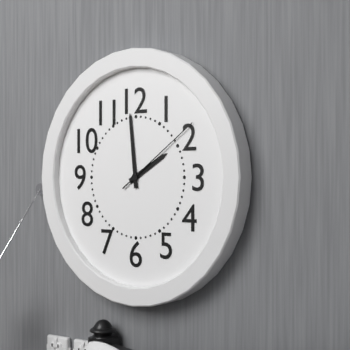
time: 1:59:09
